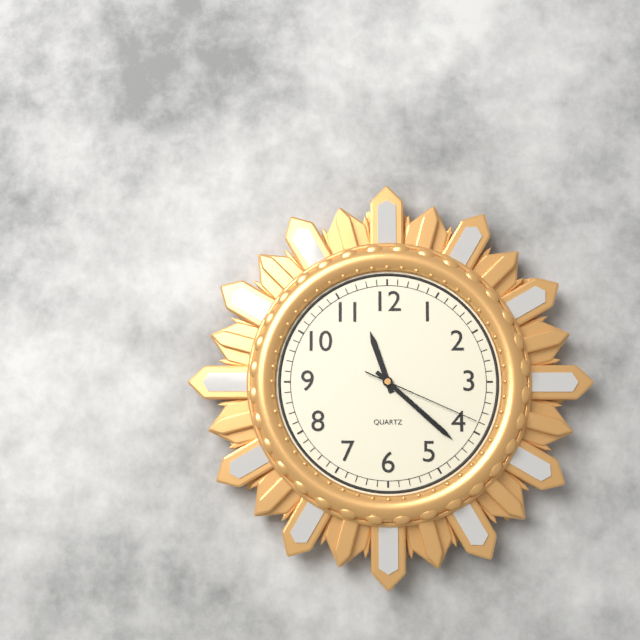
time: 11:22:19
